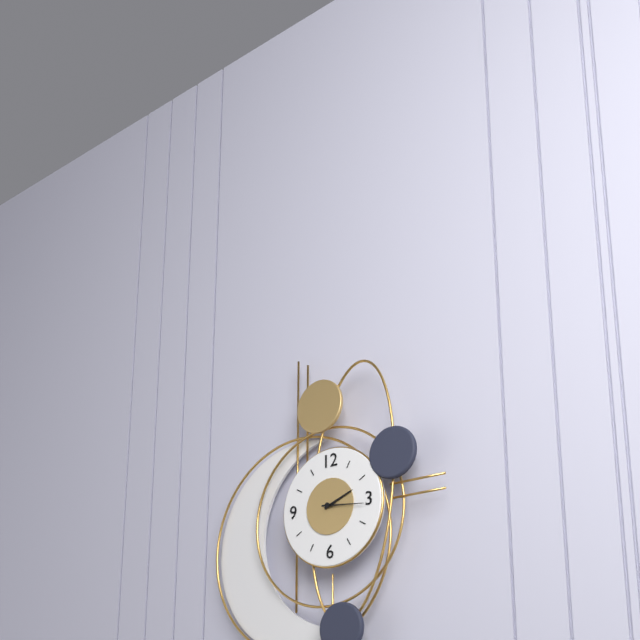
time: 2:16
